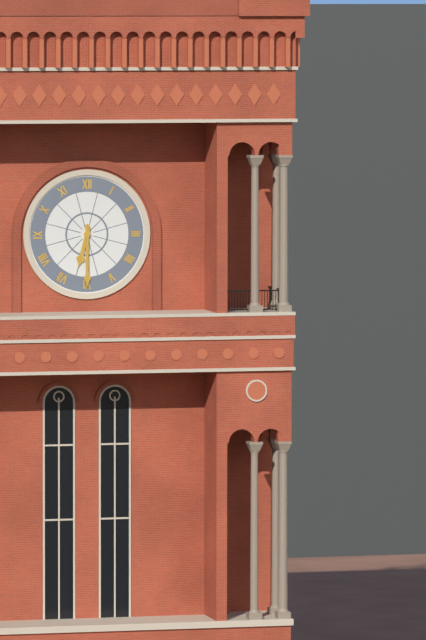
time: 6:30
